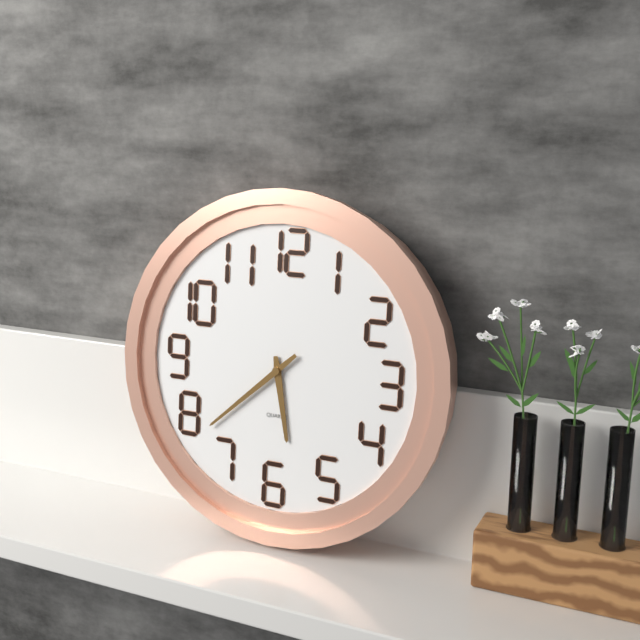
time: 5:38
